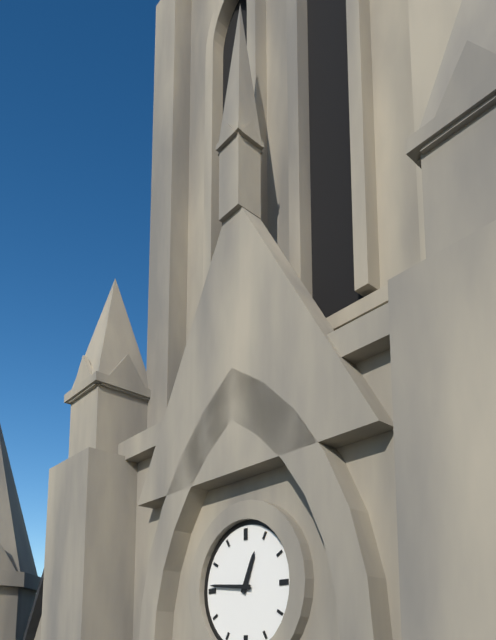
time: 12:46
